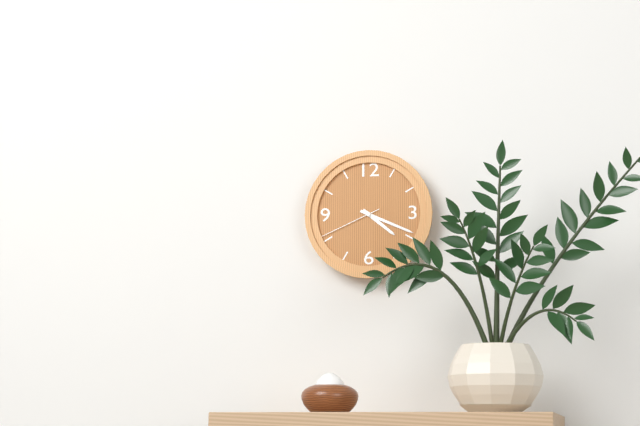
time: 4:19:41
